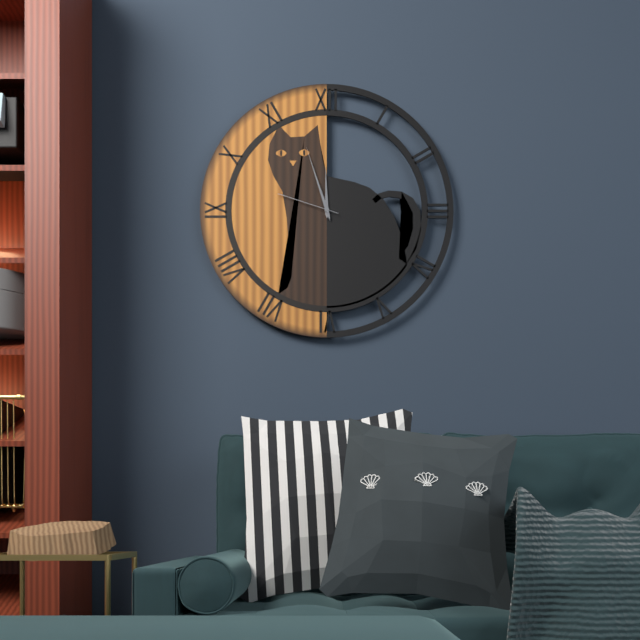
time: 11:57:48
